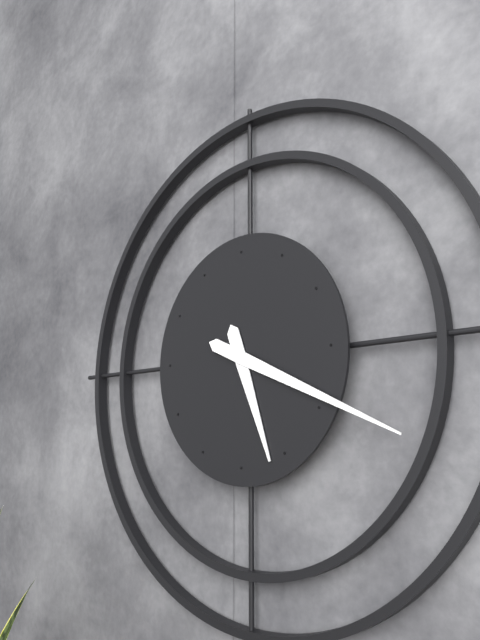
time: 5:19
